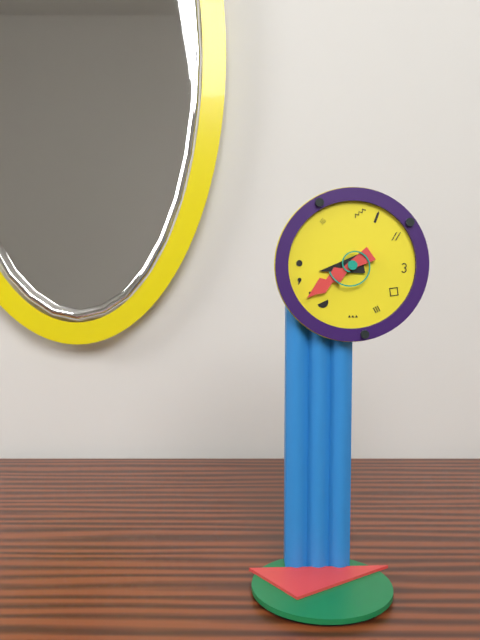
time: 8:39
